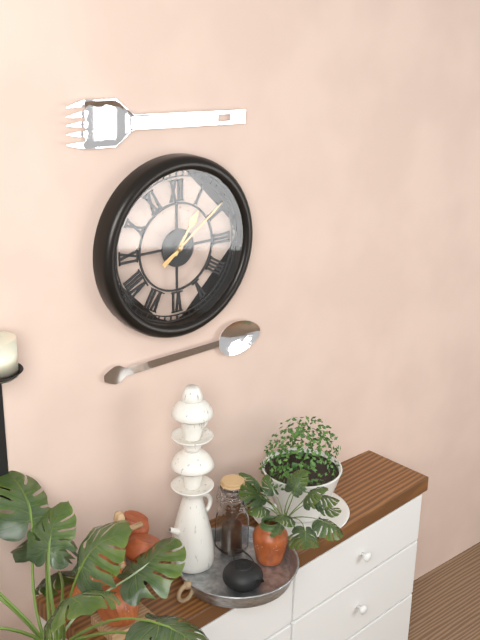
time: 1:09
